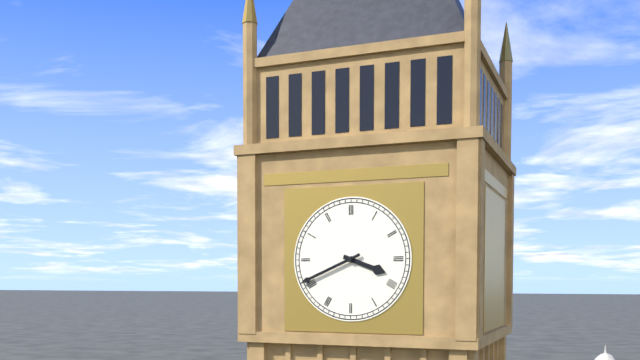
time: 3:41
